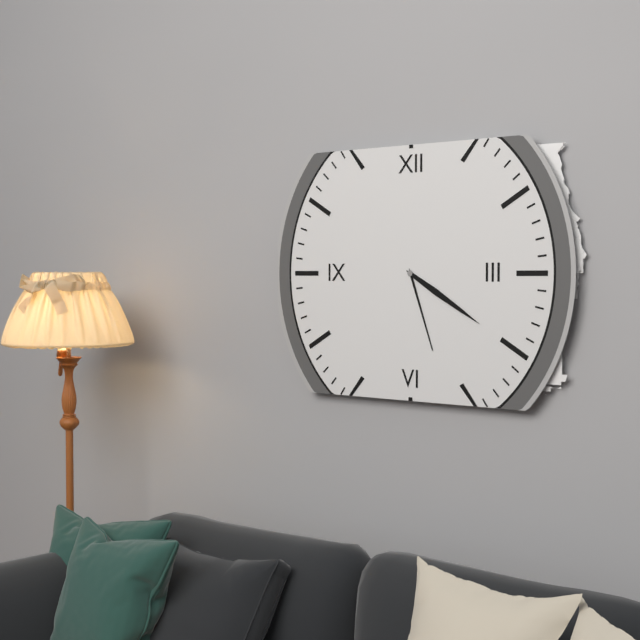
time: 5:20
